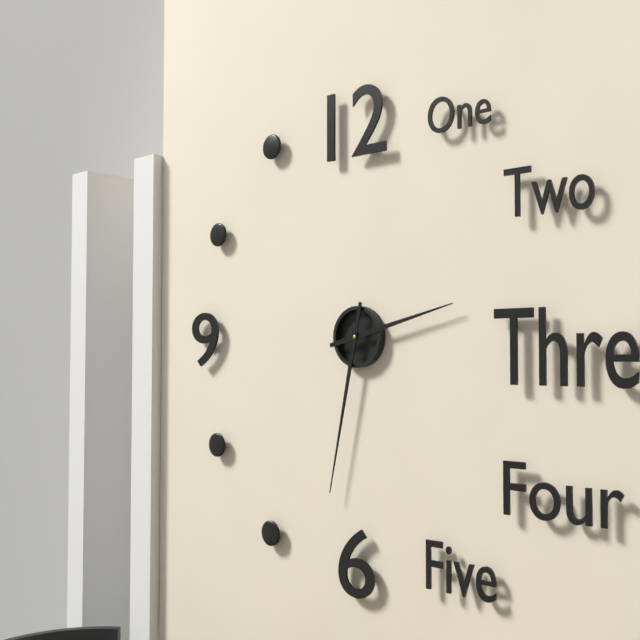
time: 2:32
